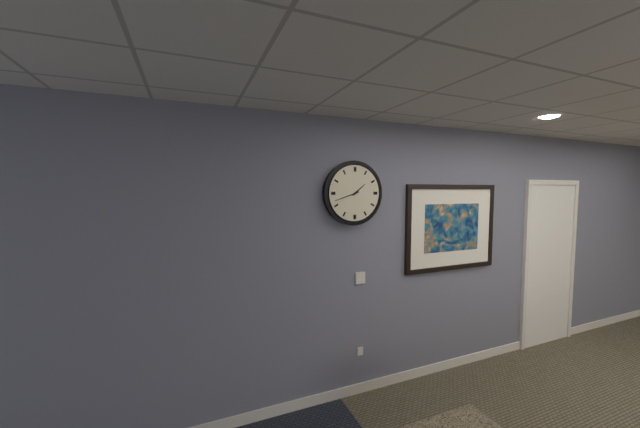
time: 1:42
